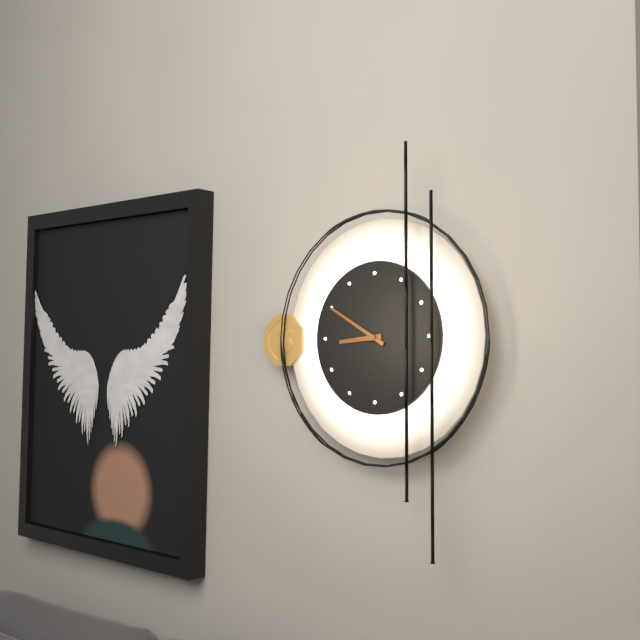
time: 8:50
